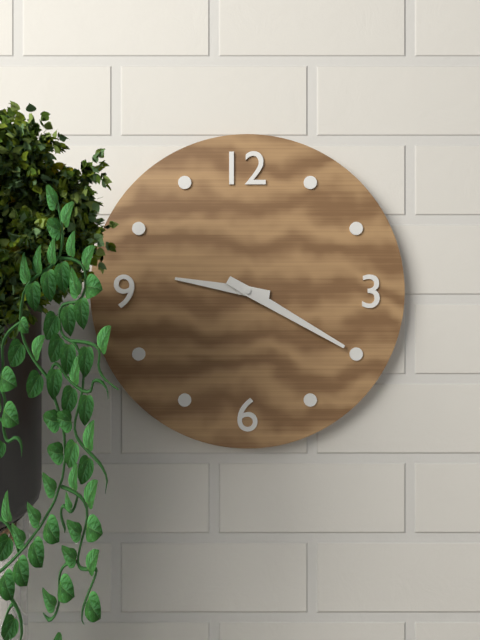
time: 9:20
